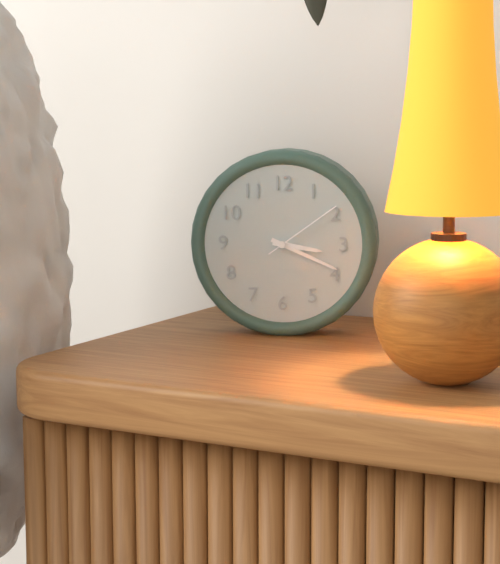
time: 3:19:09
